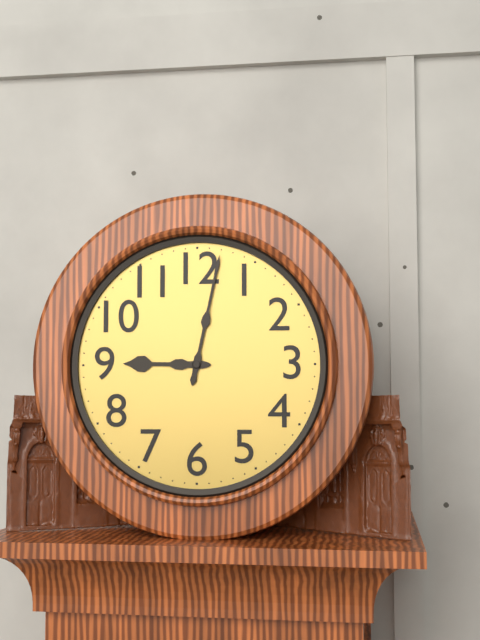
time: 9:02
